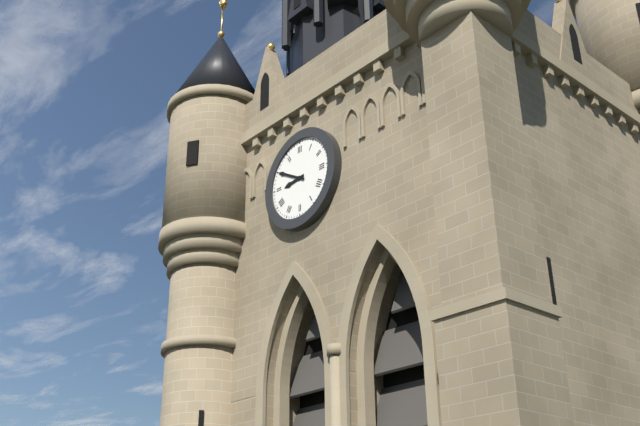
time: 8:50
